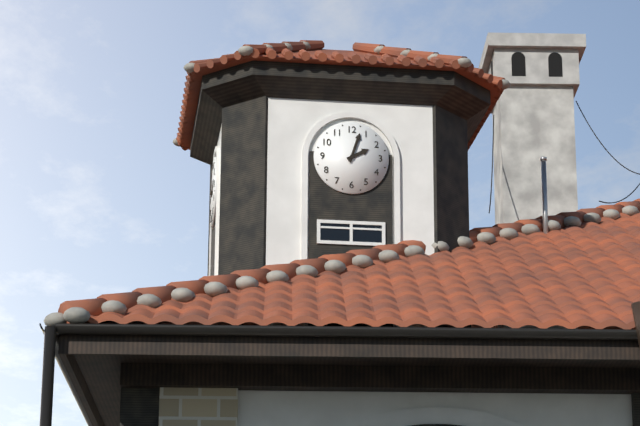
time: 2:03
